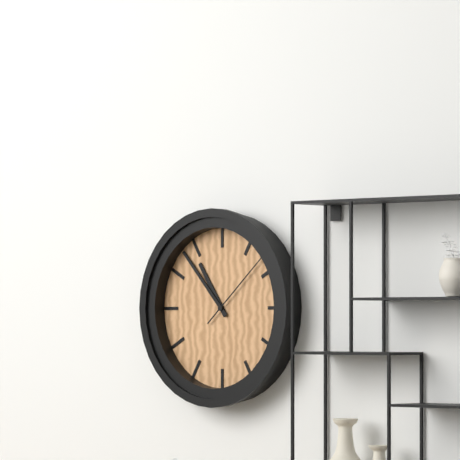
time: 10:53:08
